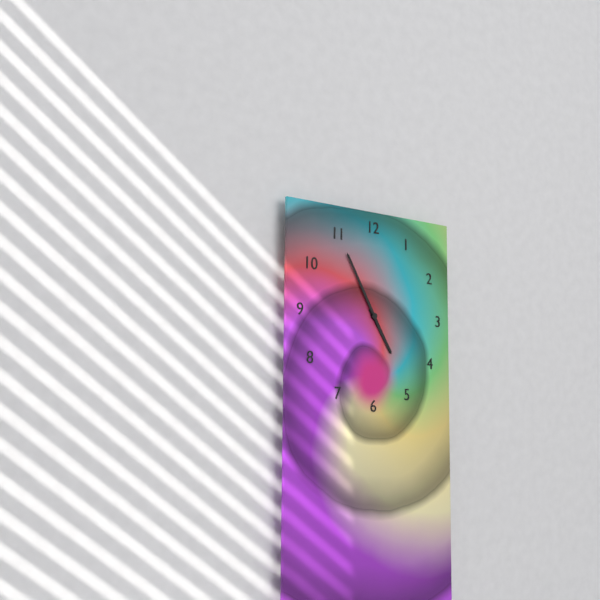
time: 4:55
